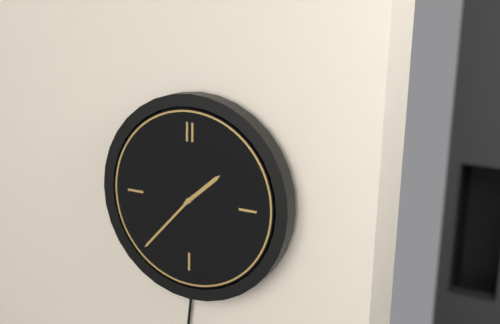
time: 1:37
